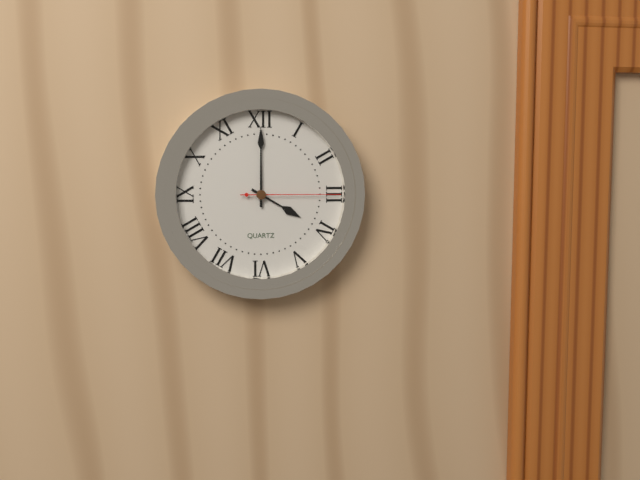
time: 4:00:15
